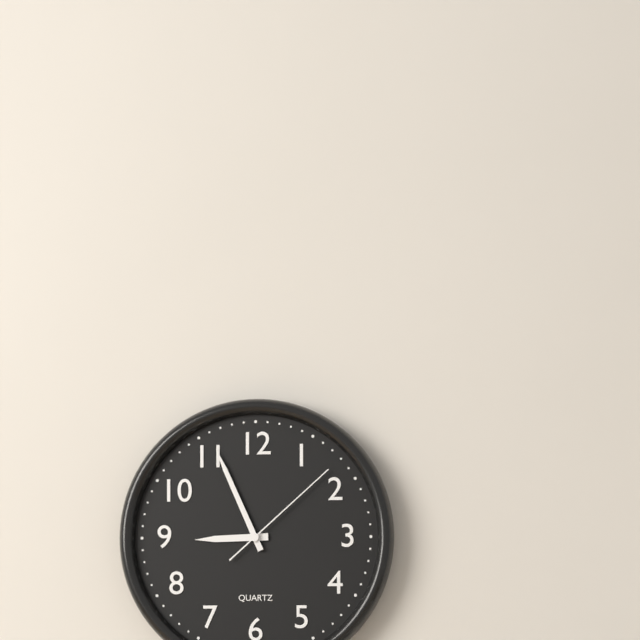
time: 8:56:08
